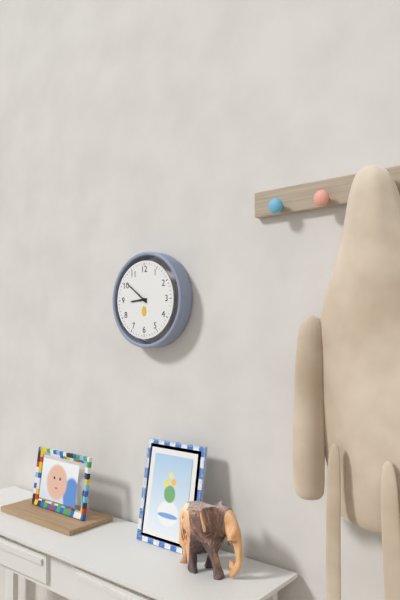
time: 8:51
